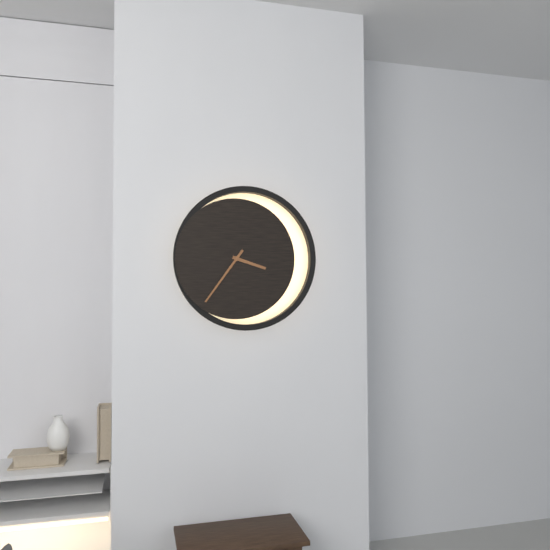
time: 3:36
